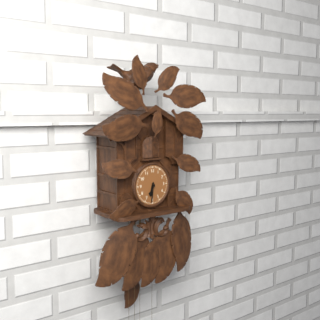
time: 6:31
